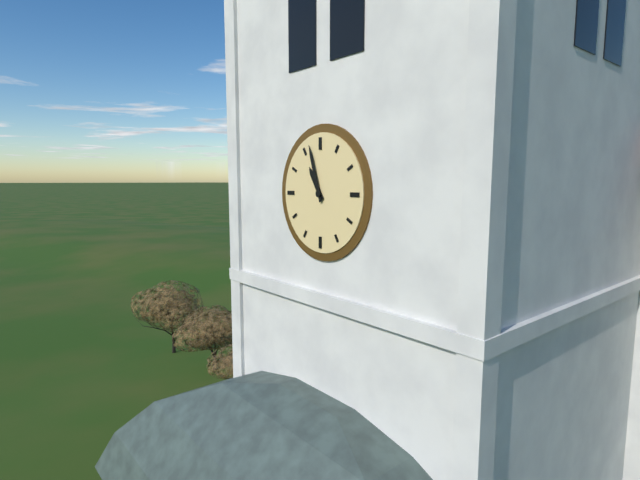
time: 10:57
